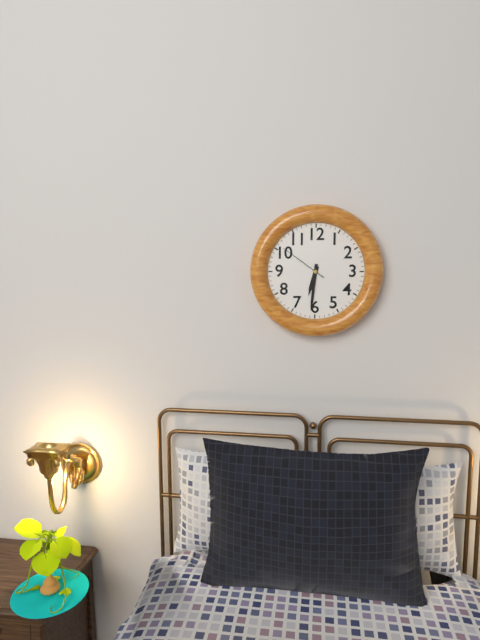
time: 6:31
